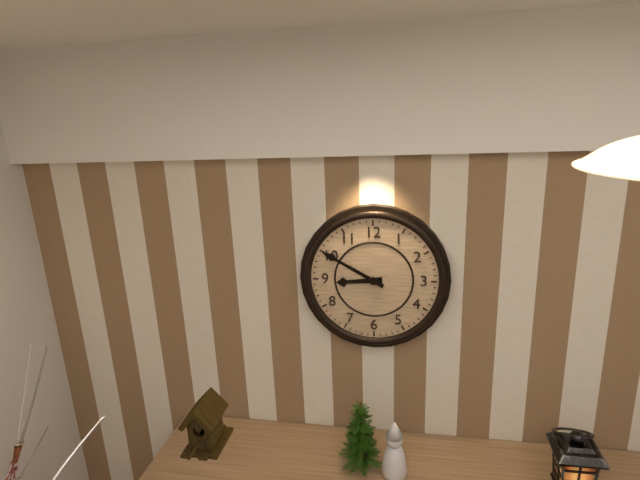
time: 8:50
